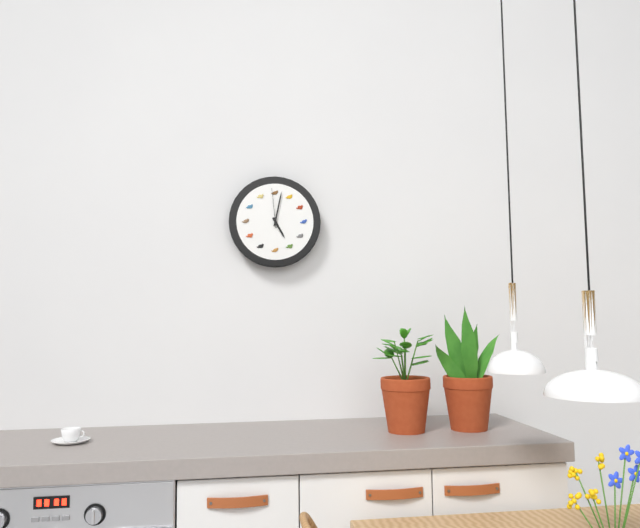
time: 5:02
